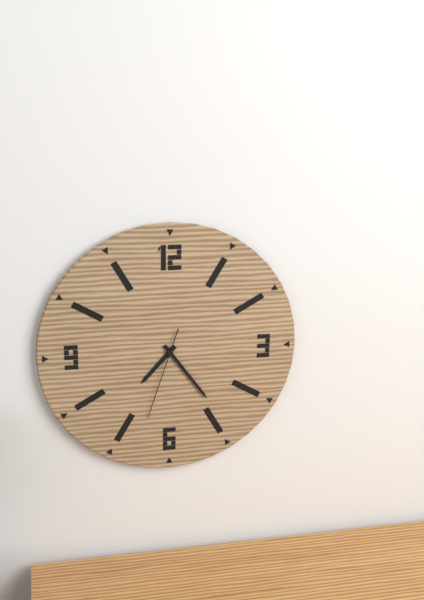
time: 7:24:33
